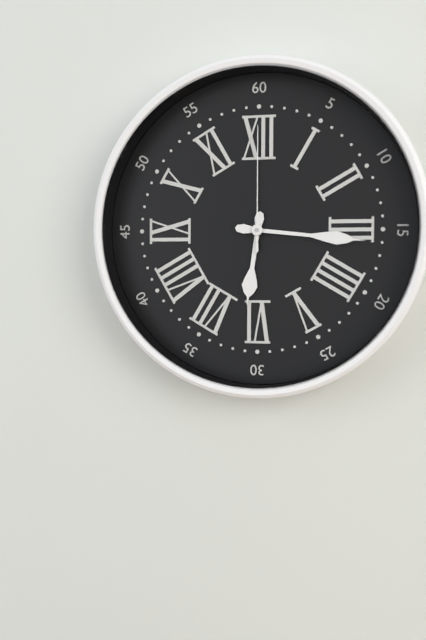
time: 6:16:00
